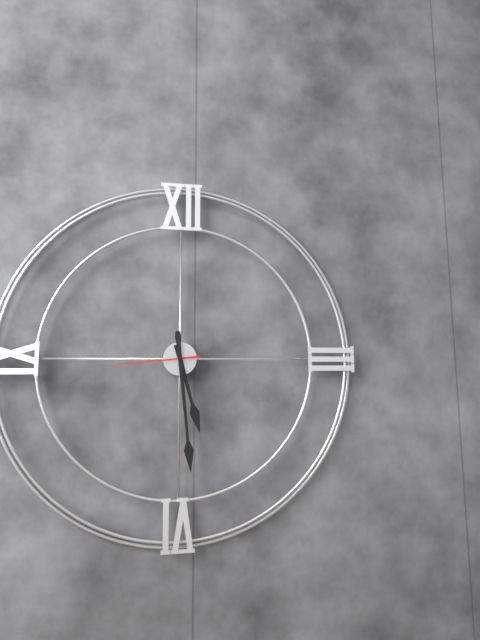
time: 5:29:44
